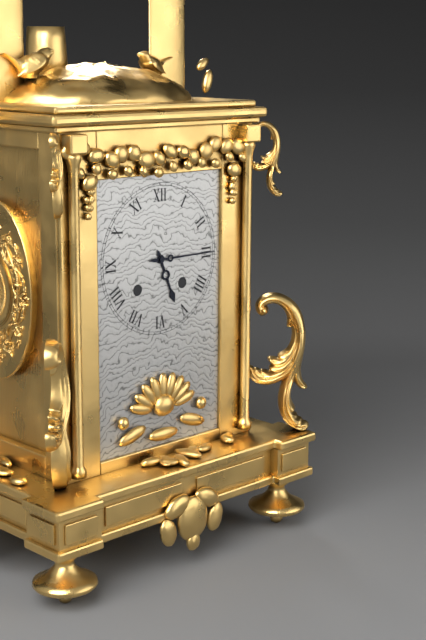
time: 5:15
